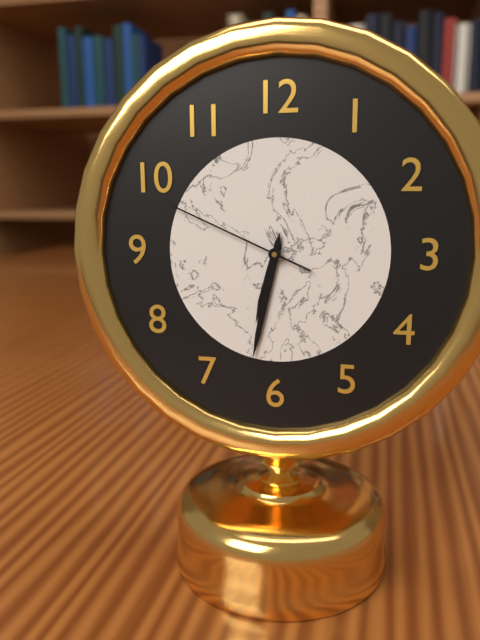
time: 6:32:49
